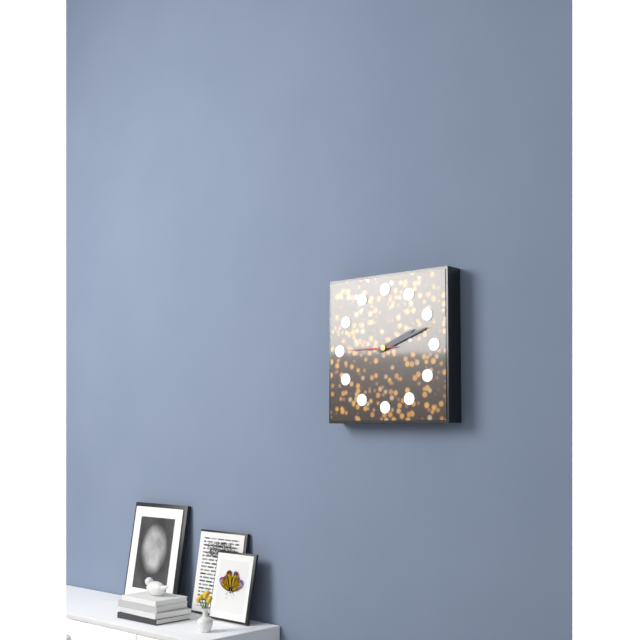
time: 2:12
